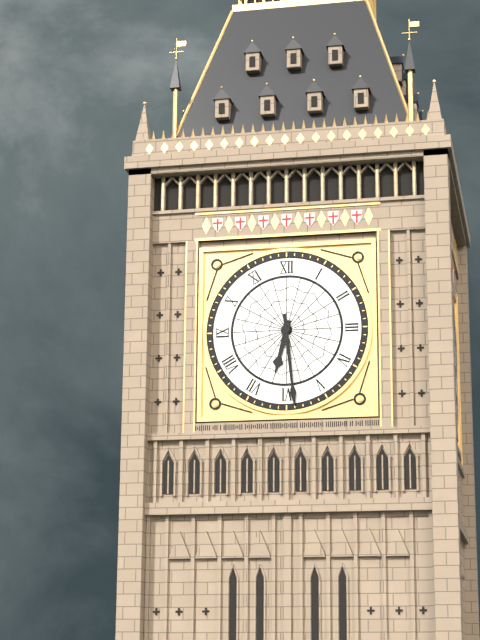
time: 6:29
